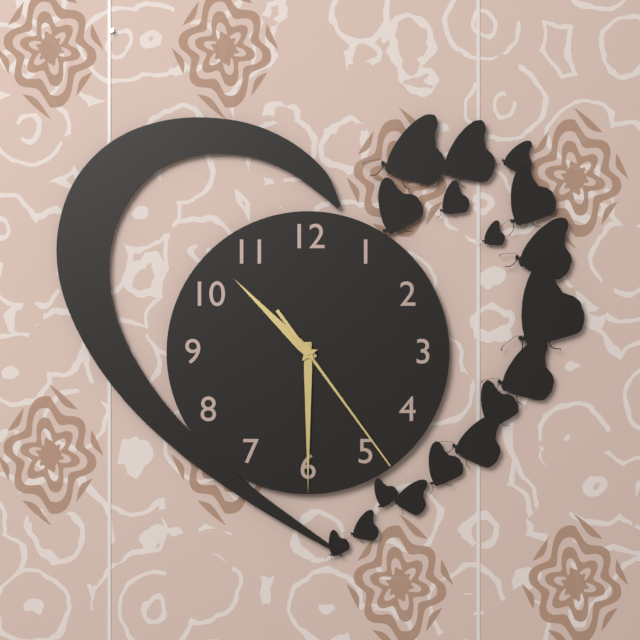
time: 10:30:24
